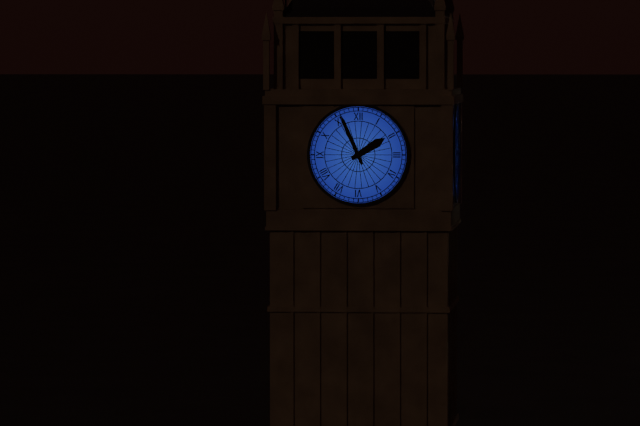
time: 1:56
